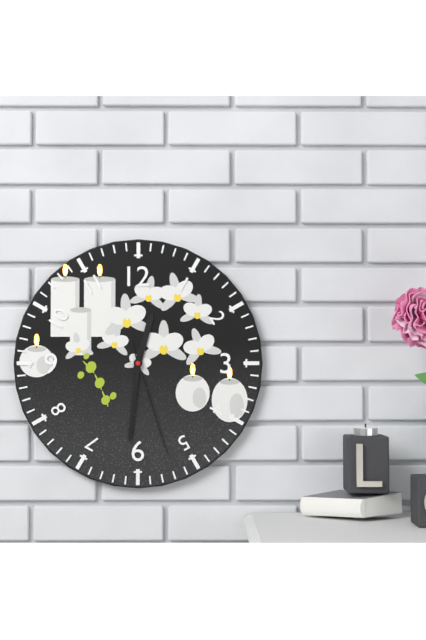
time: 12:31:27
